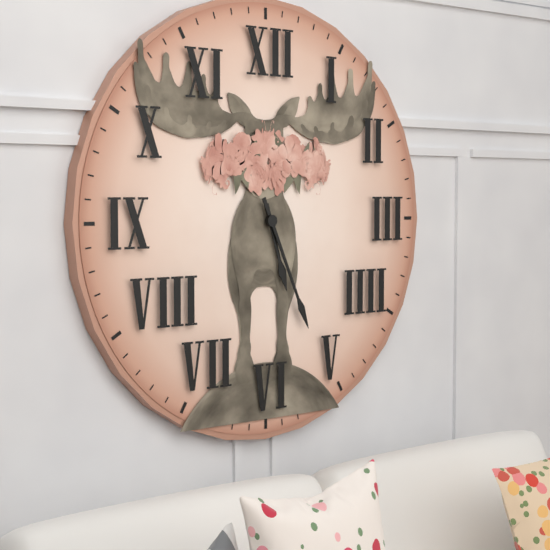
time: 5:26
